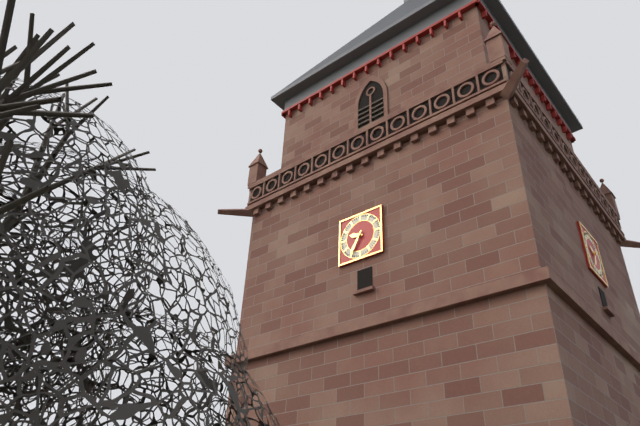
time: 9:35
